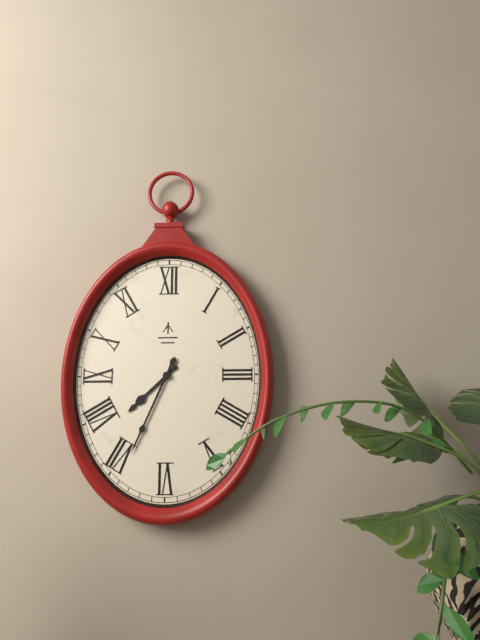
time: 7:34
